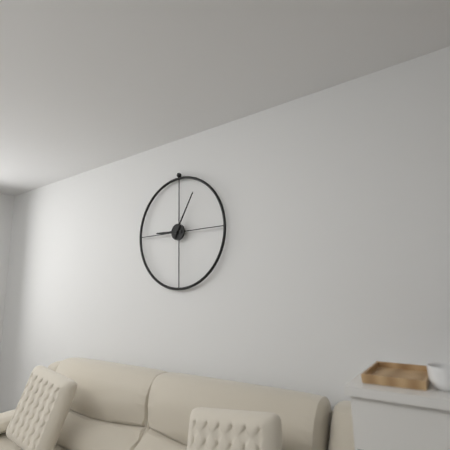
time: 9:05
